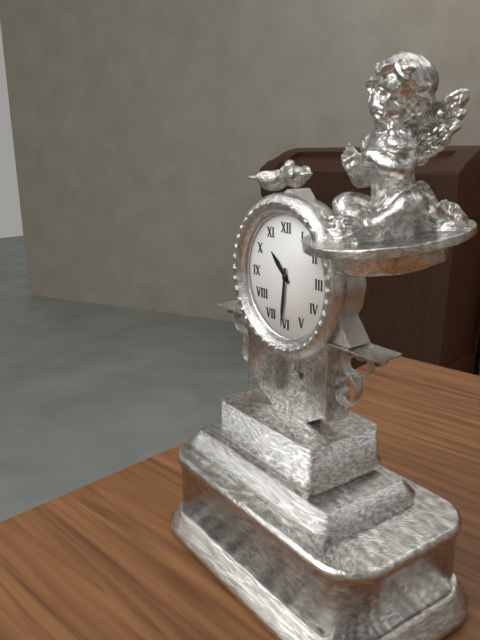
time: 10:31
